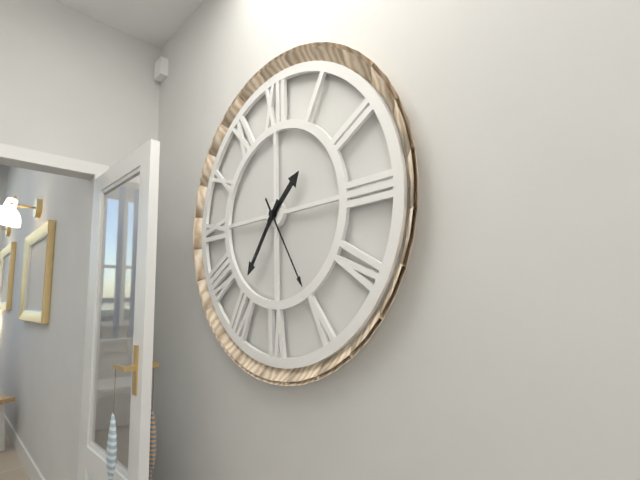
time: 1:36:25
